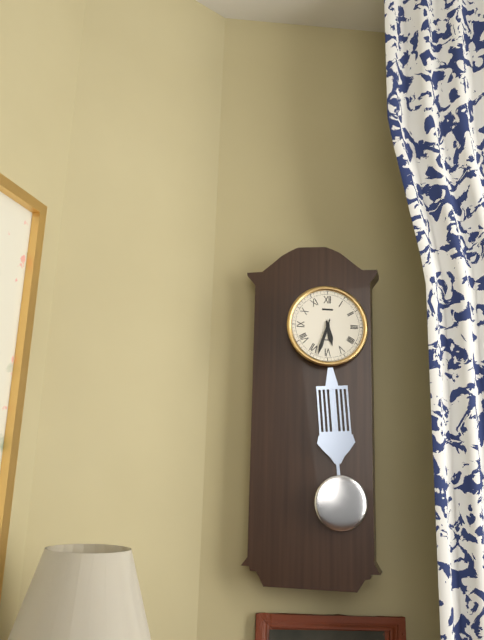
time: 5:33
